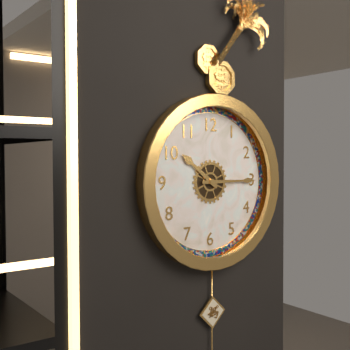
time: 10:15
